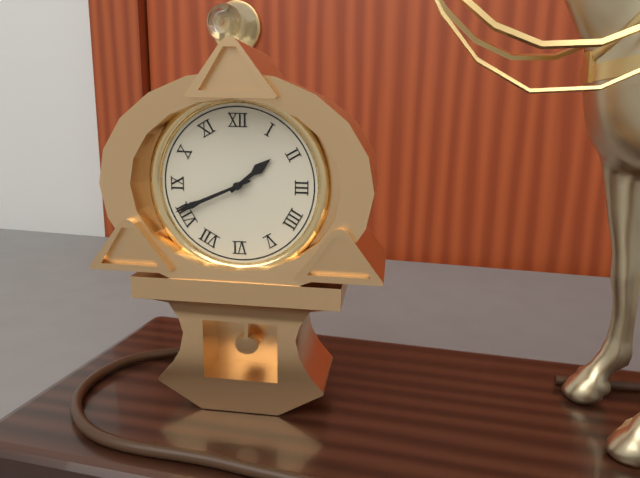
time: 1:41
